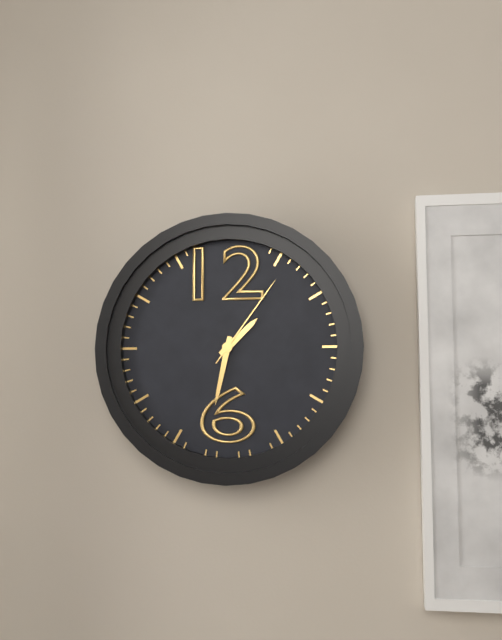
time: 1:32:06
